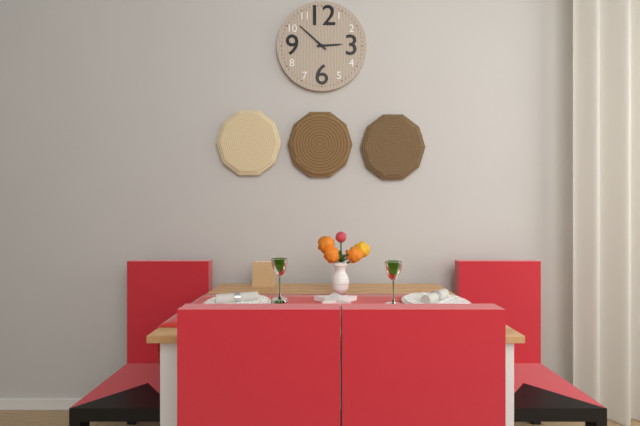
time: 2:52
